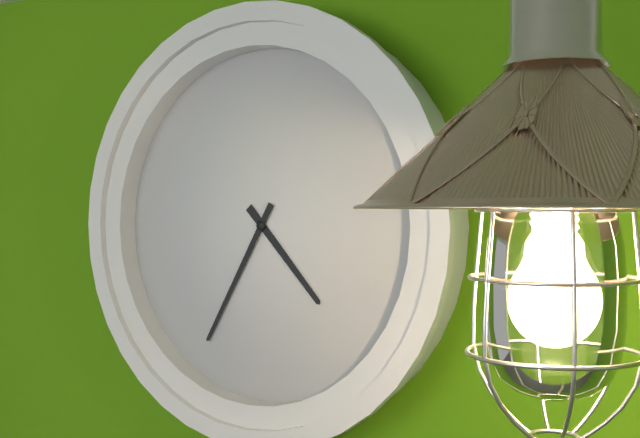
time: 4:35
